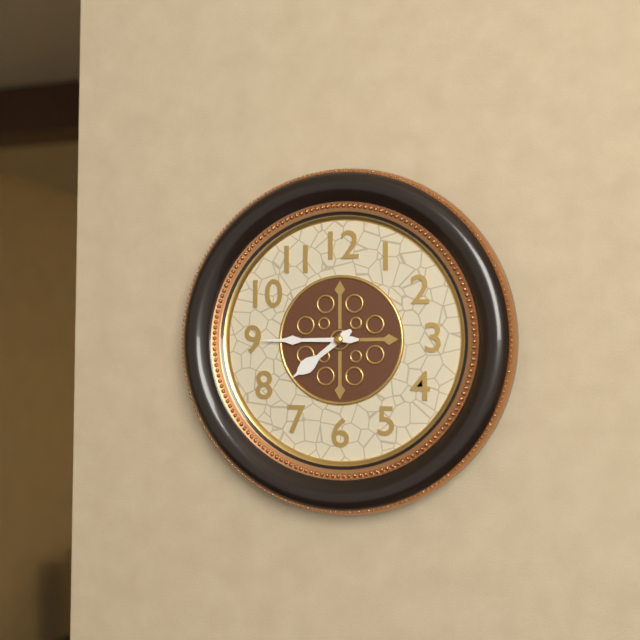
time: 7:45
